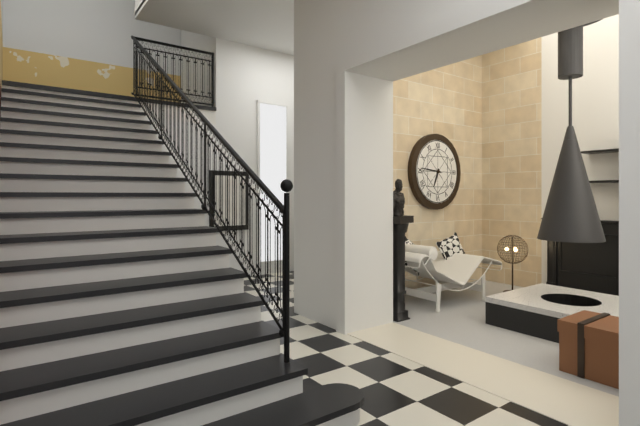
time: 6:46
